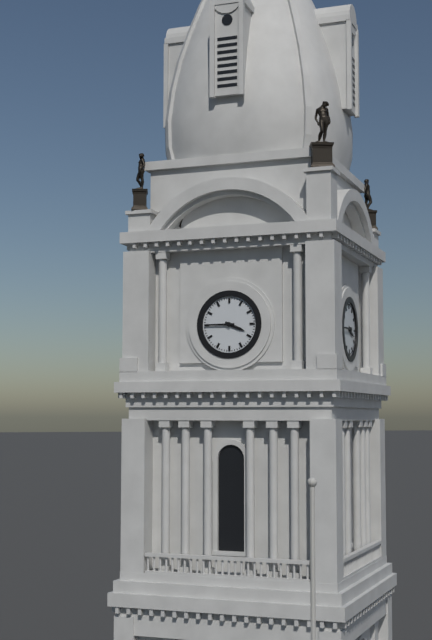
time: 3:45
